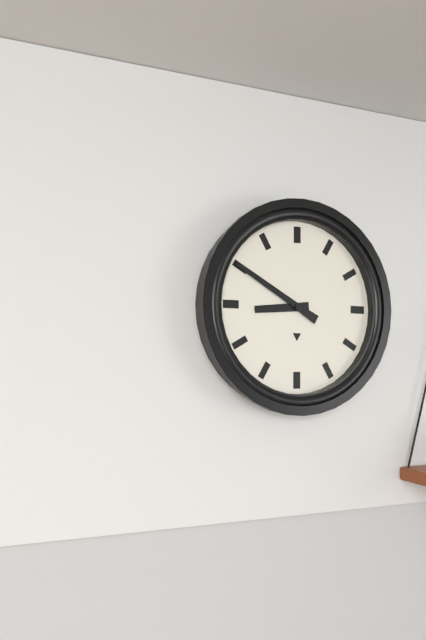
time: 8:50
